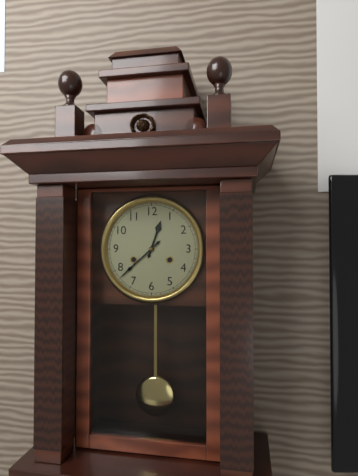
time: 12:38
